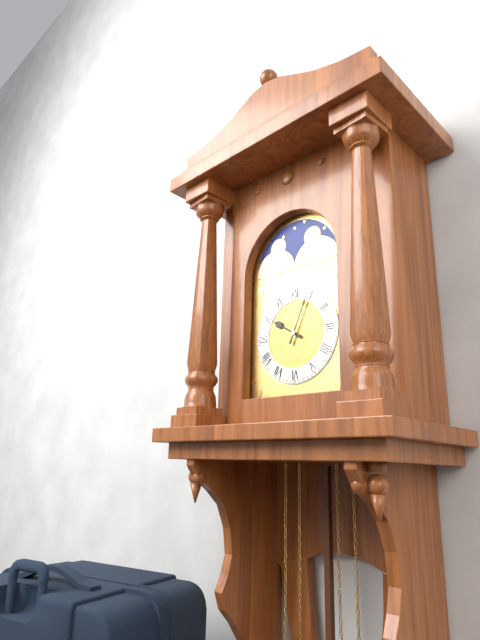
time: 10:04
